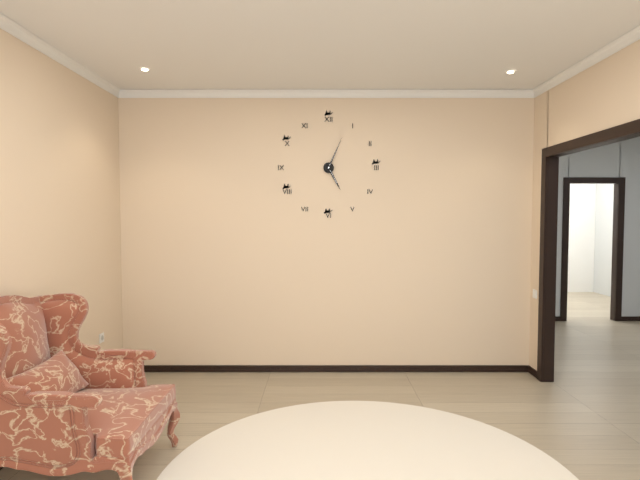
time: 5:04
